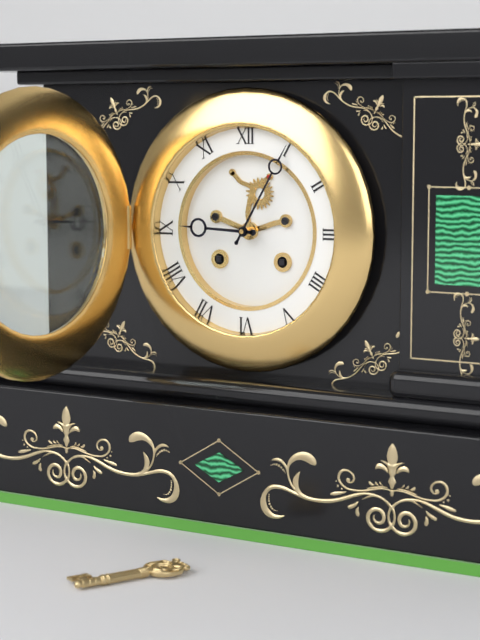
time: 9:05
